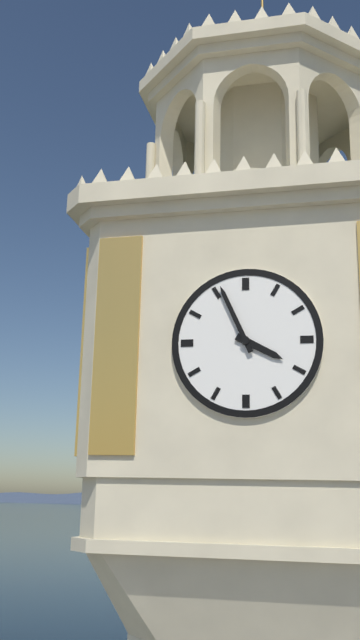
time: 3:56
